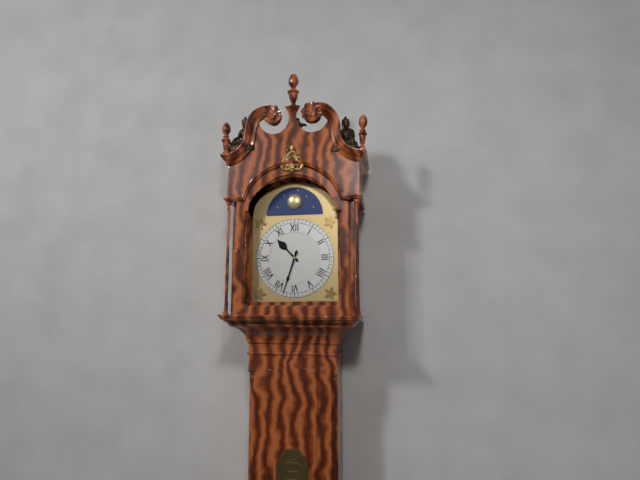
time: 10:33
